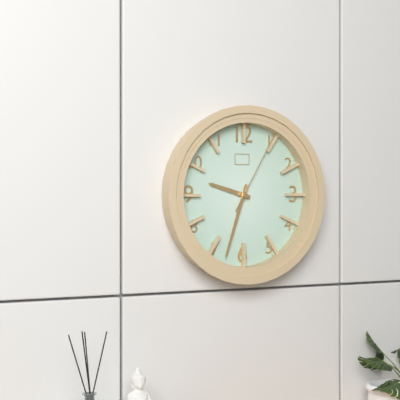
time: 9:33:05
